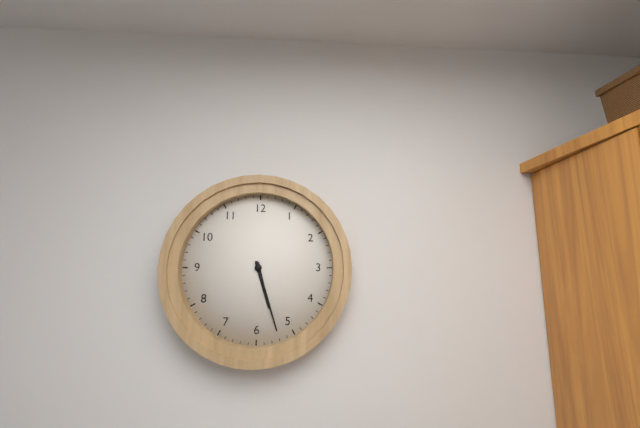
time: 5:27
